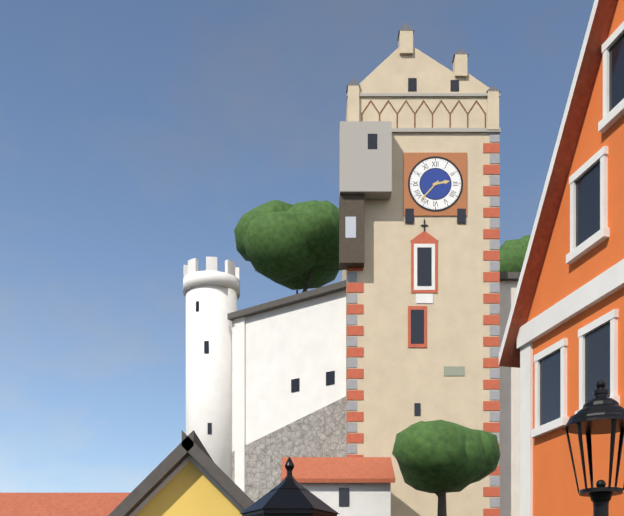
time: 2:37
